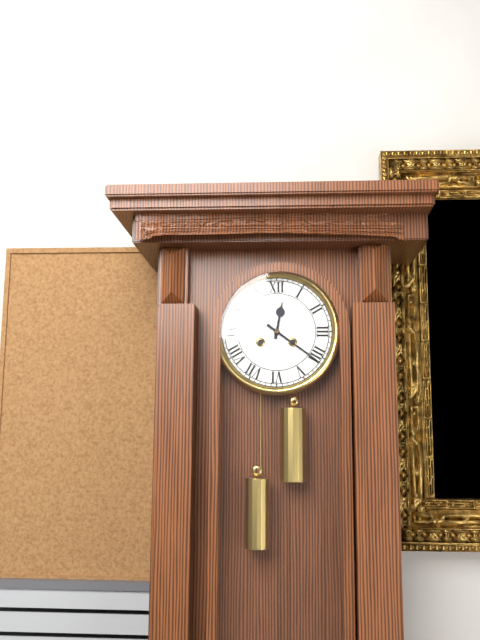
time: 12:21
